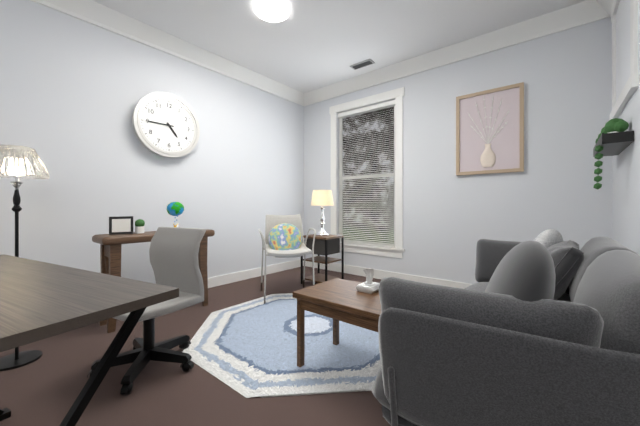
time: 4:45
